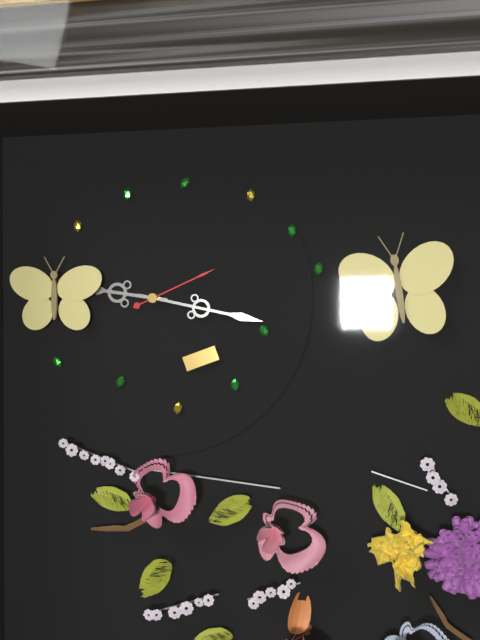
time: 9:17:11
